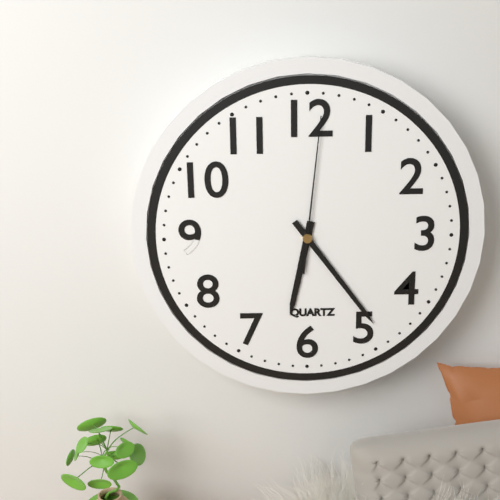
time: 6:24:01
